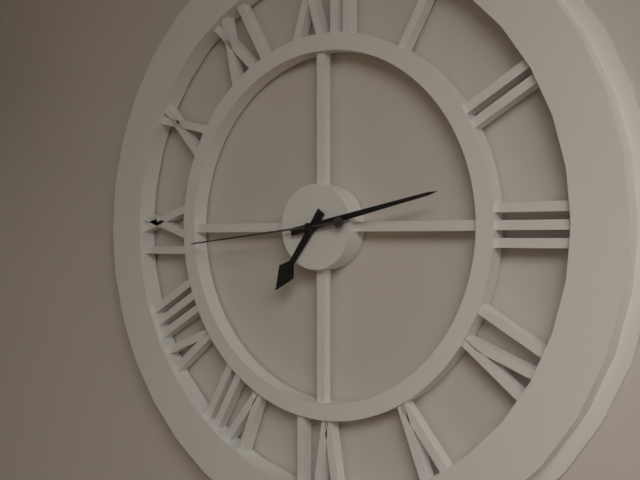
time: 7:13:44
